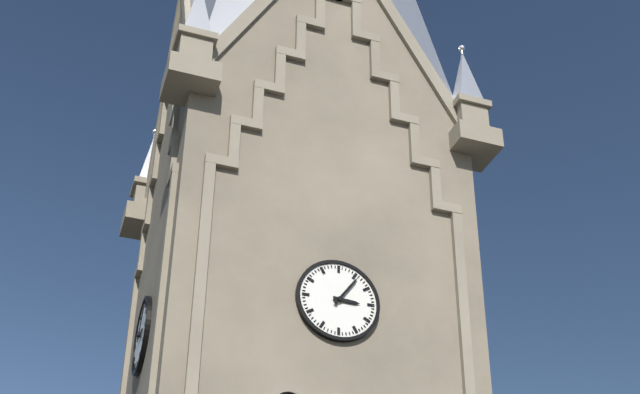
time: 3:06
